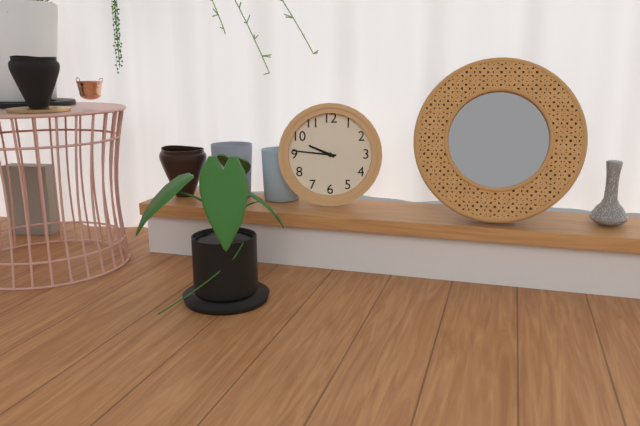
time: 9:46
